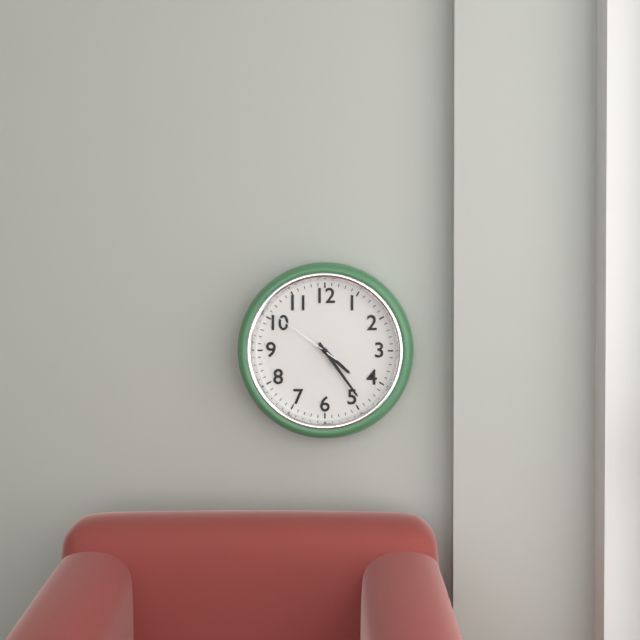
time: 4:24:51
